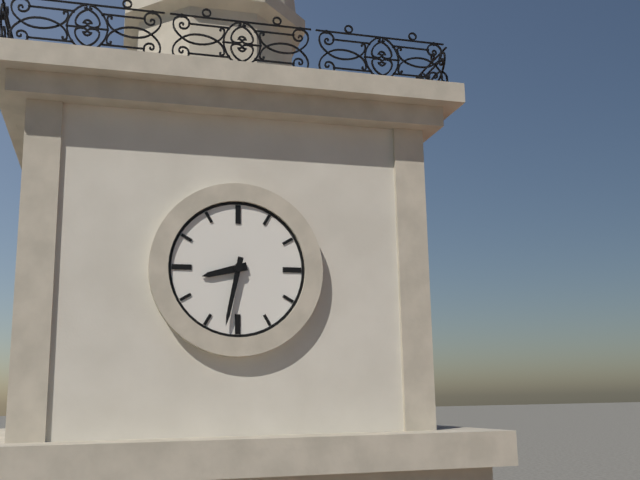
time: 8:32
